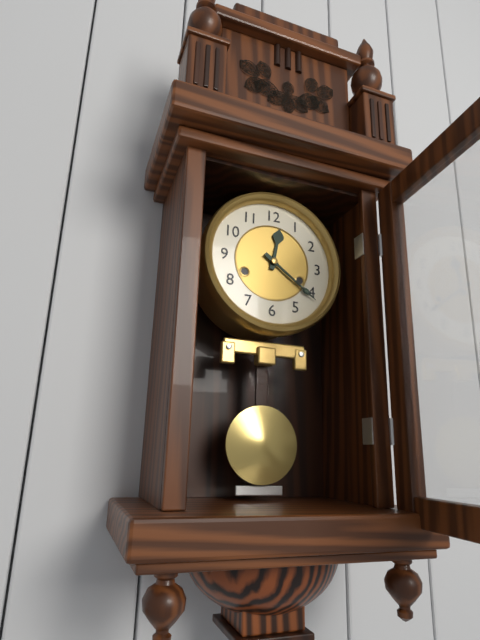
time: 12:21
